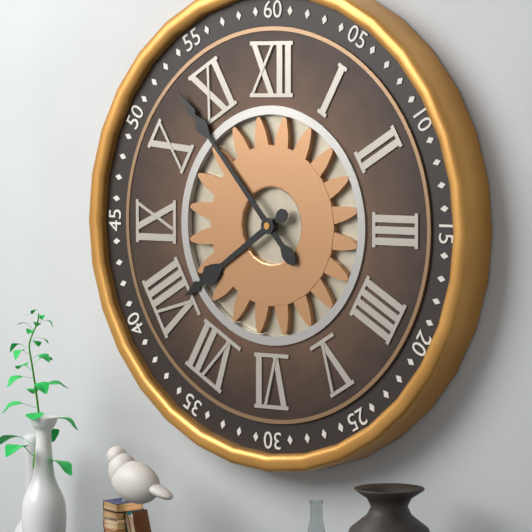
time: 7:53
